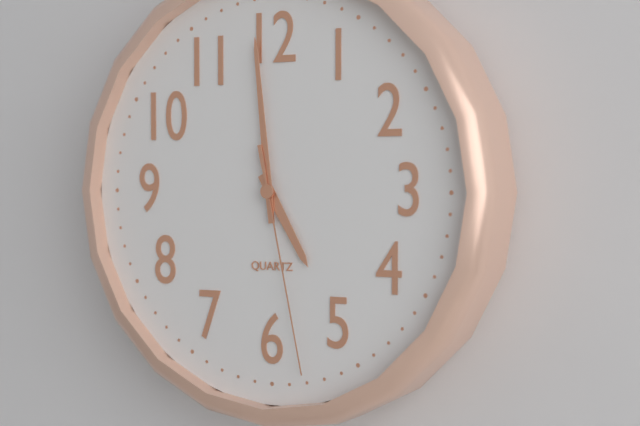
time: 4:59:28
